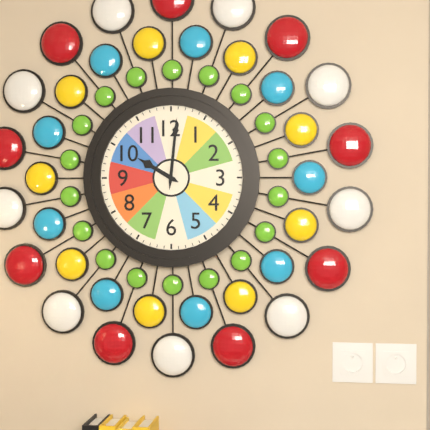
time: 10:01
